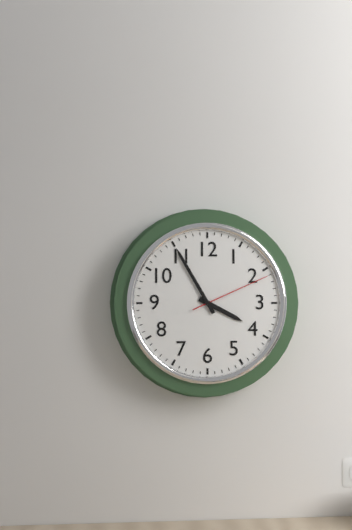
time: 3:55:11
